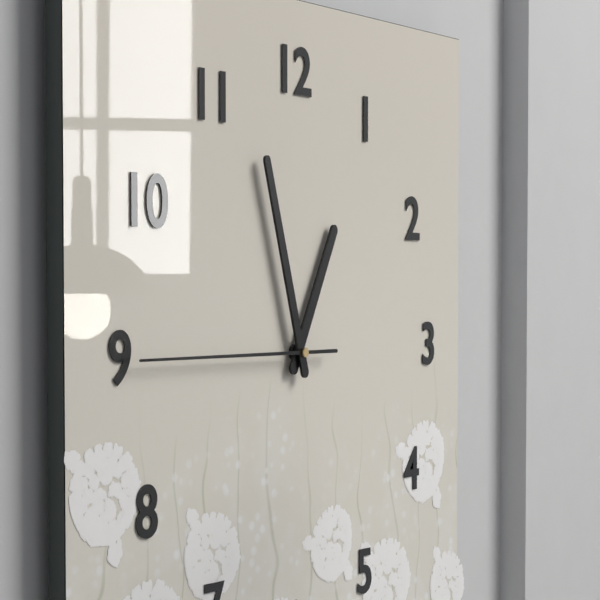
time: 12:57:45
